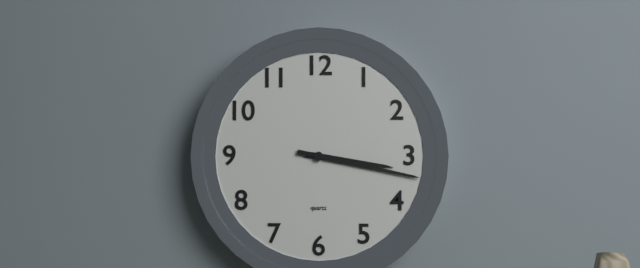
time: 3:17
